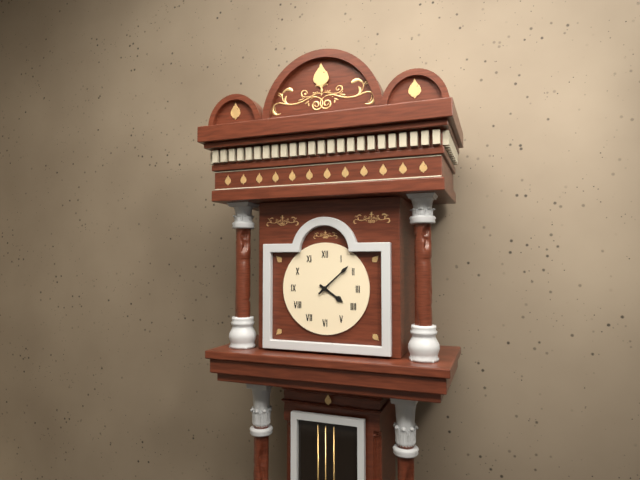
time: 4:08
